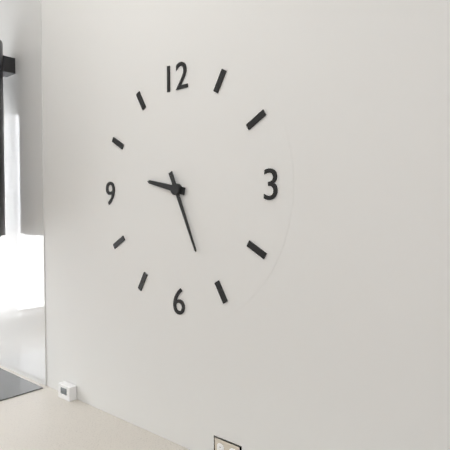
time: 9:26
